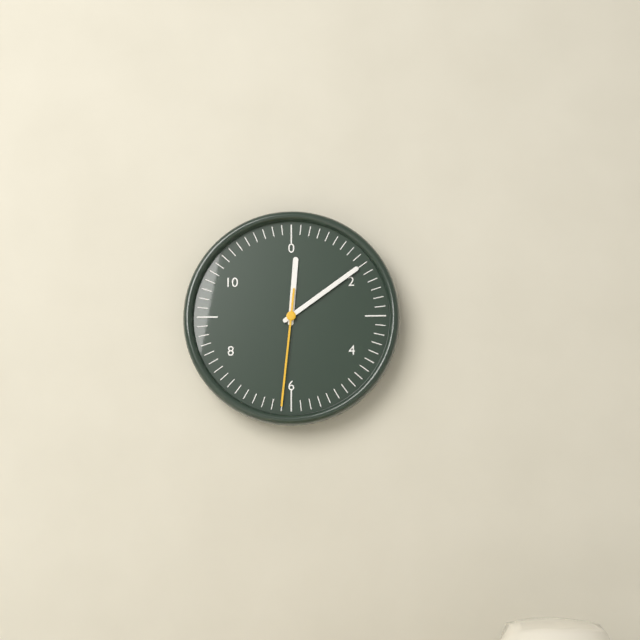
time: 12:09:31
